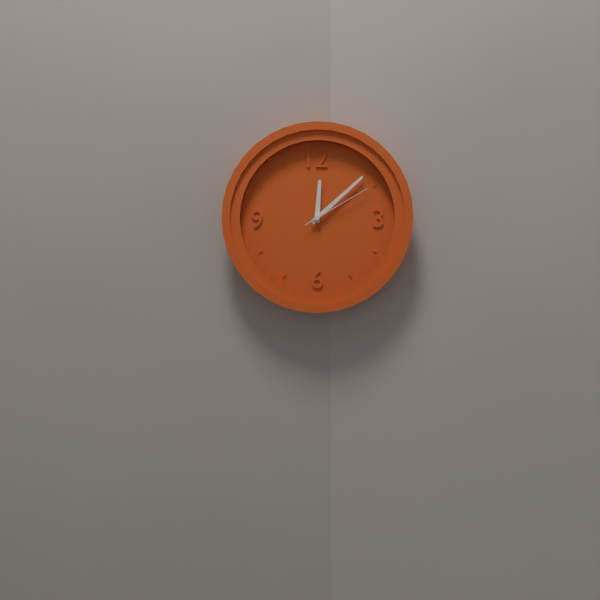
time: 12:08:10
